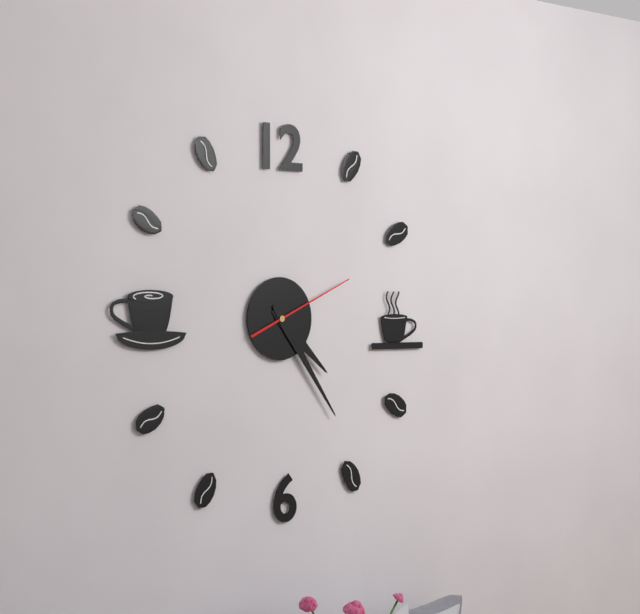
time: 4:24:11
